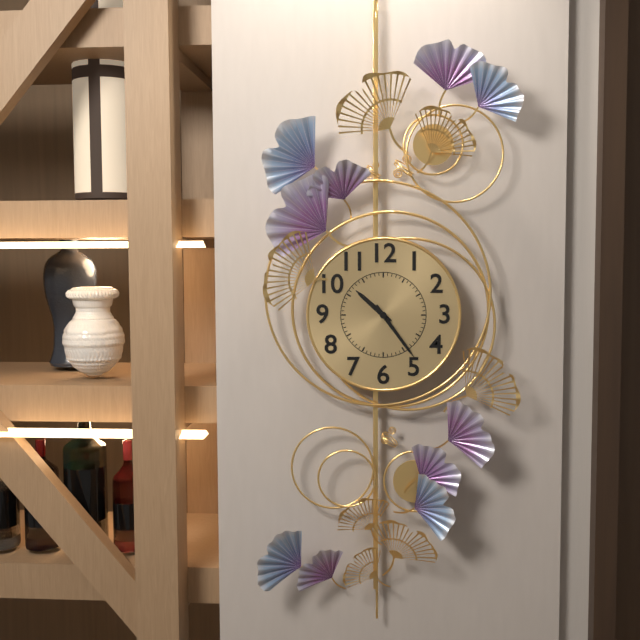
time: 10:24
